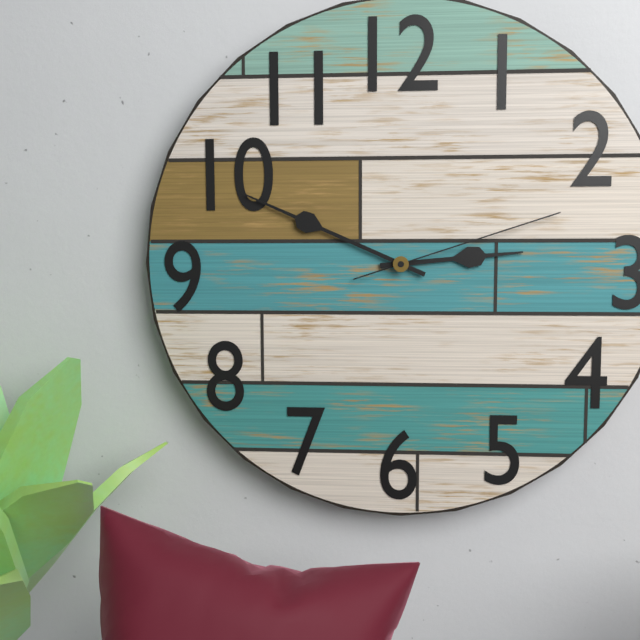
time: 2:49:12
